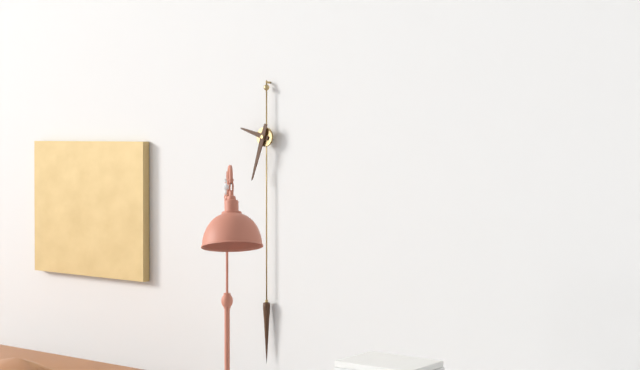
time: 9:33
